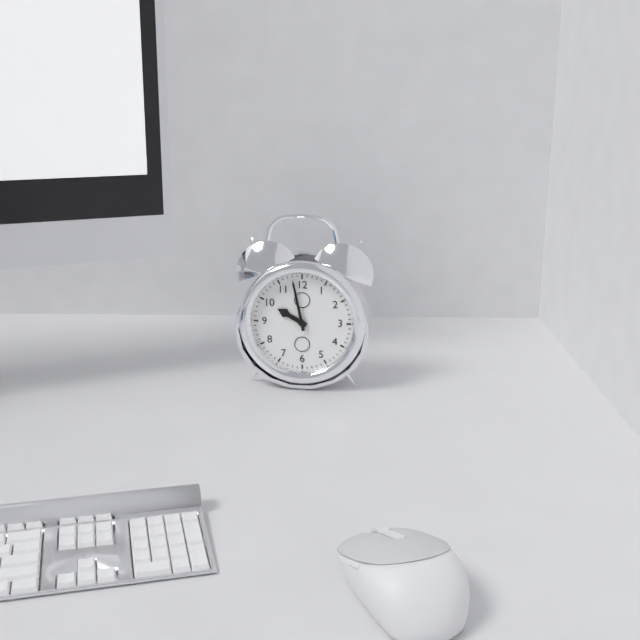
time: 9:58
